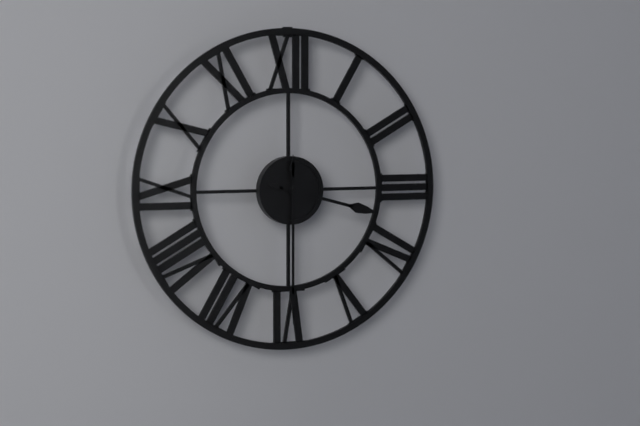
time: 3:30
